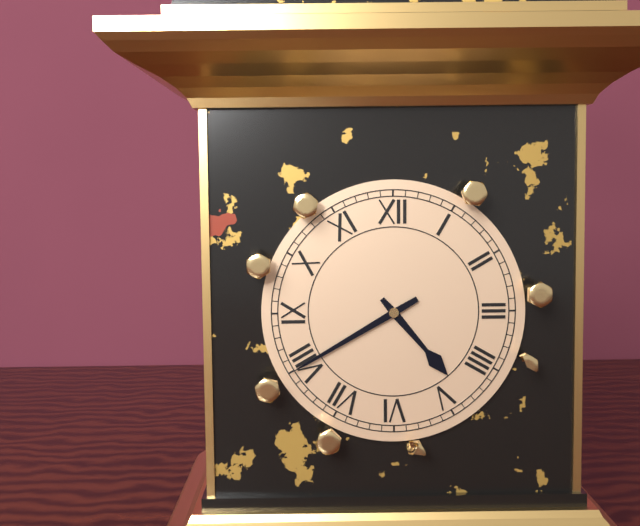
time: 4:40
